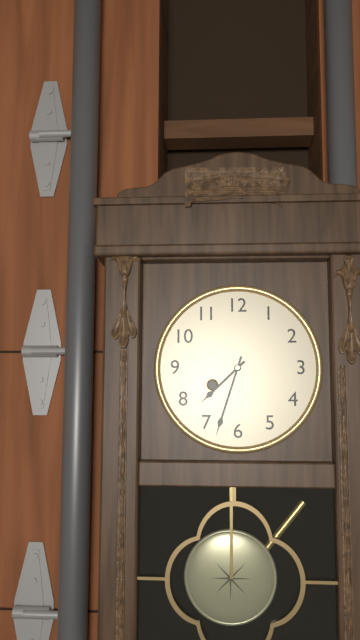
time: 7:33
